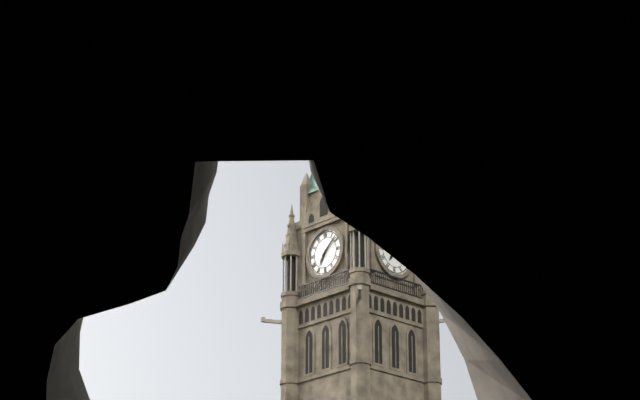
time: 7:08
